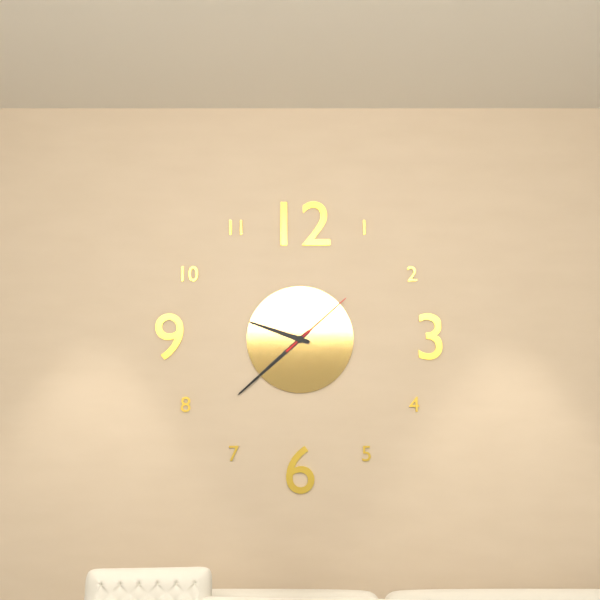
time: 9:38:08
